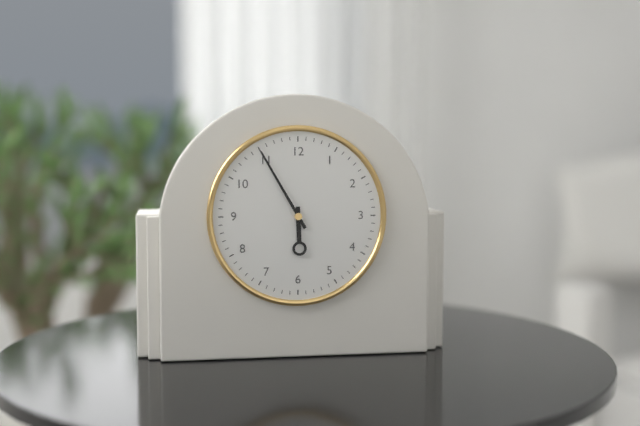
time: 5:55
